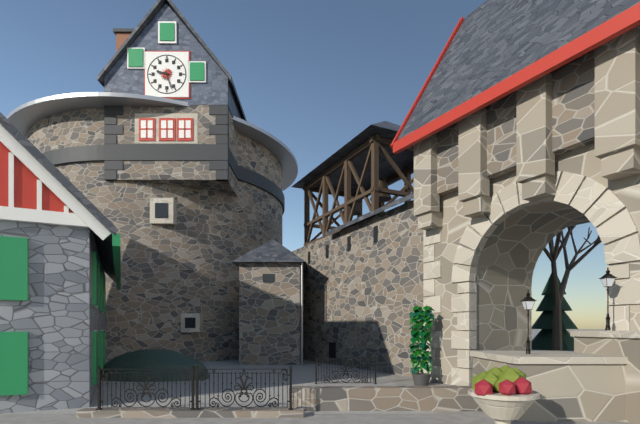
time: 9:27
